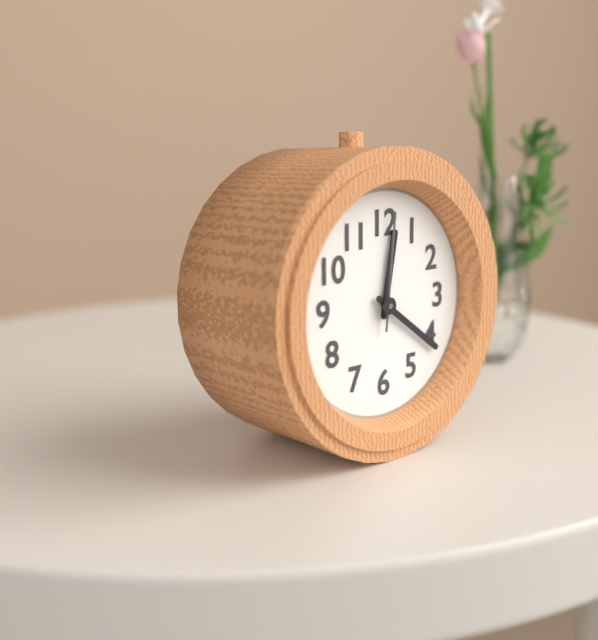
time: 12:21:01
